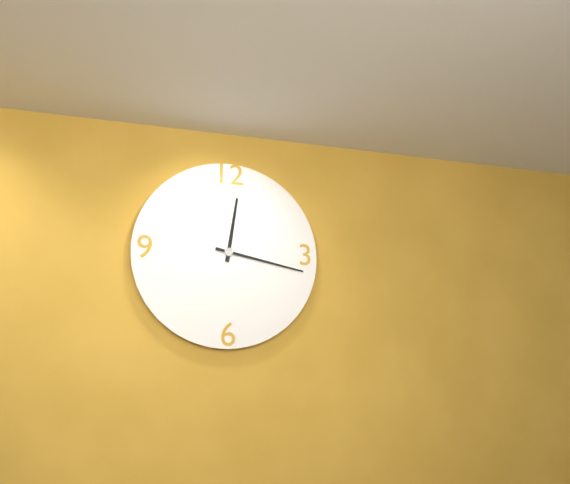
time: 12:17
